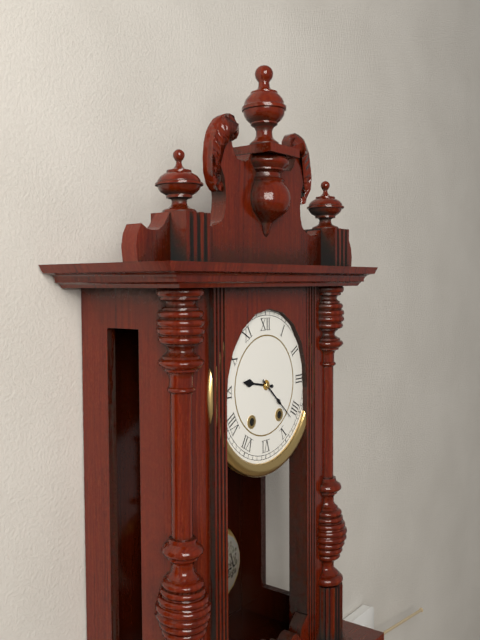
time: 9:22
